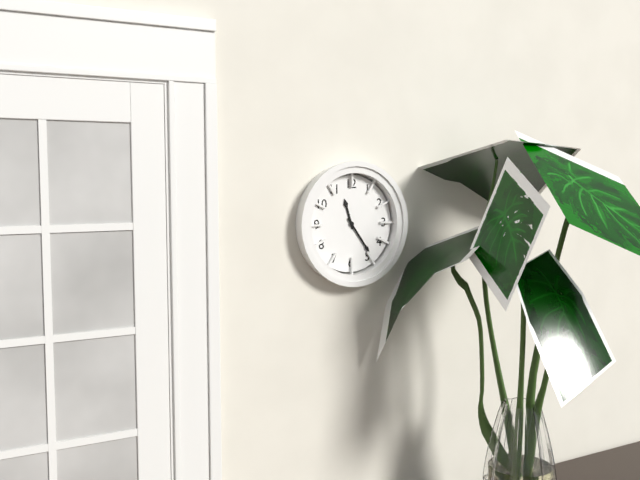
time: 11:24
